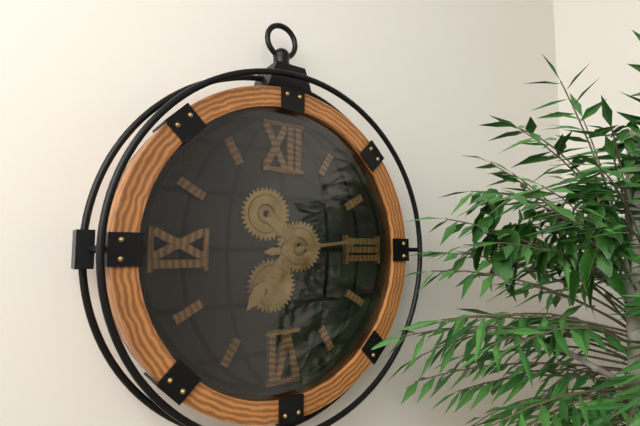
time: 7:14
